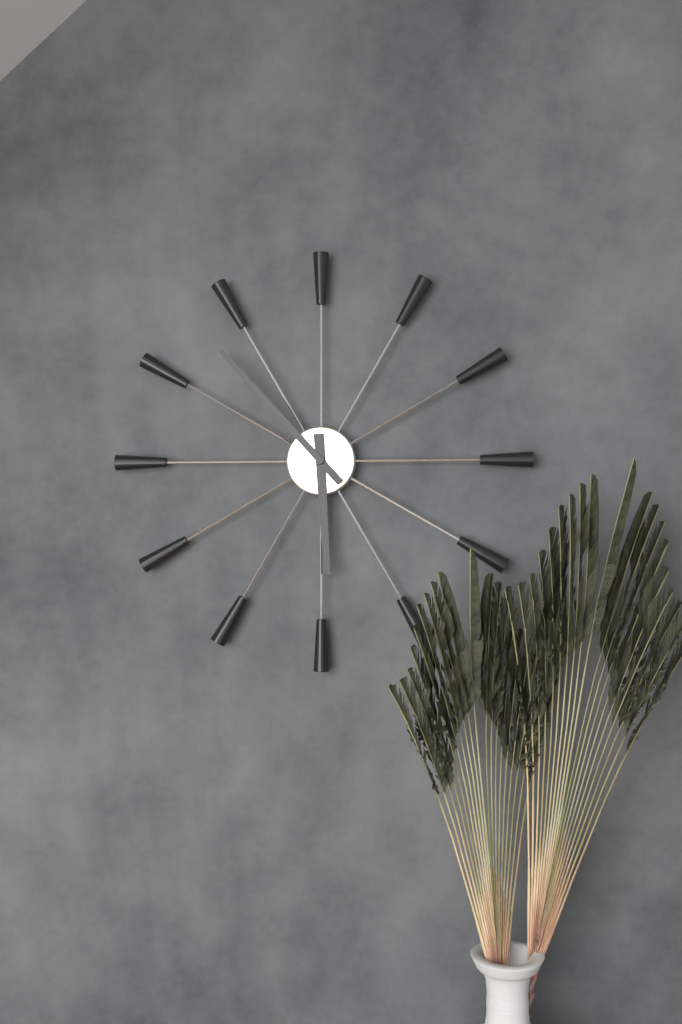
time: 5:53
